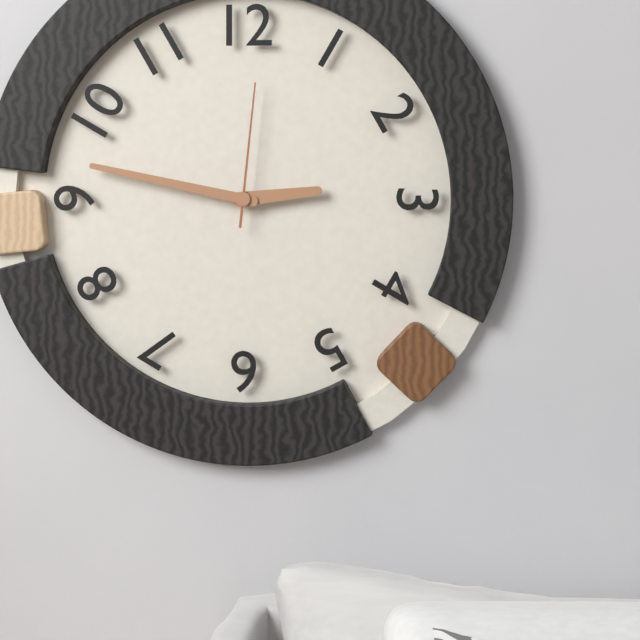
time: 2:47:01
